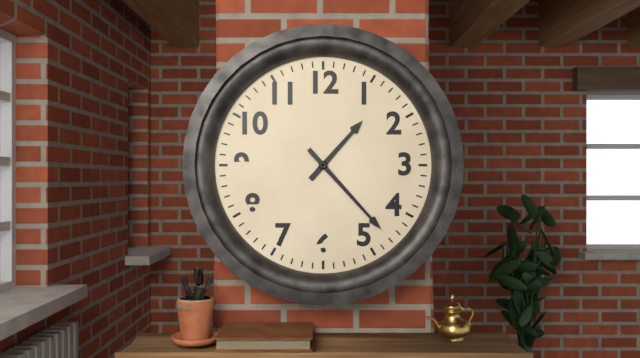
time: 1:23
